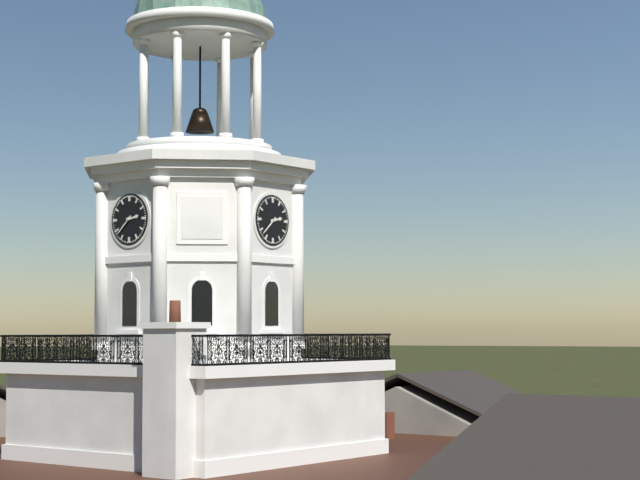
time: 2:38
